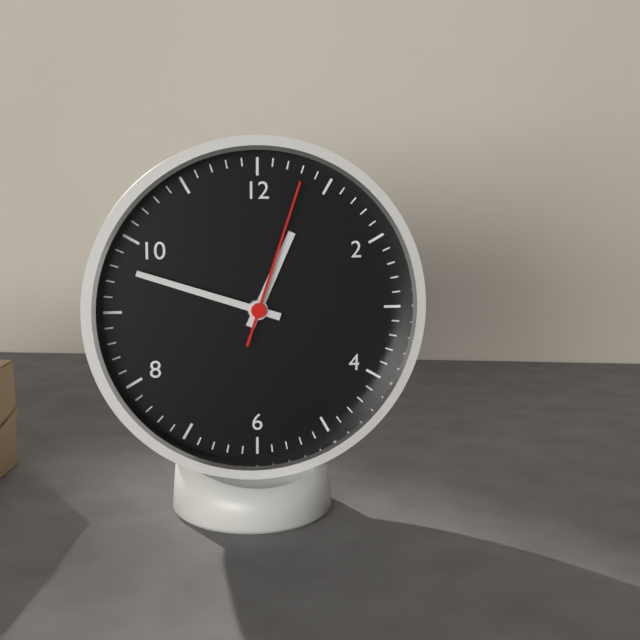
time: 12:48:03
